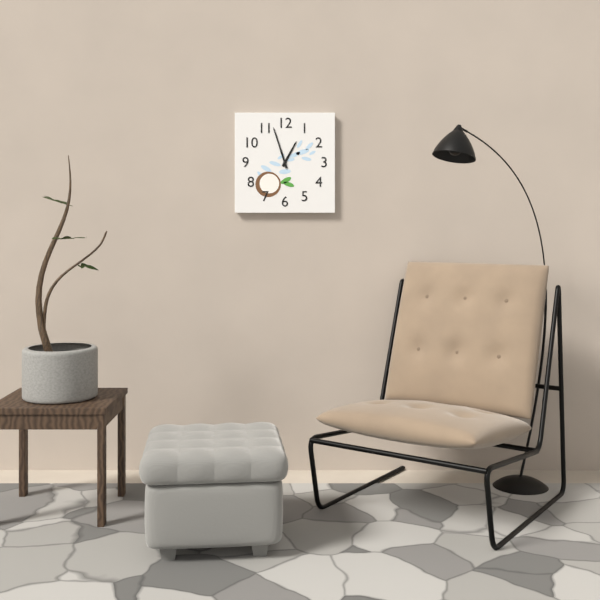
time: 12:57
